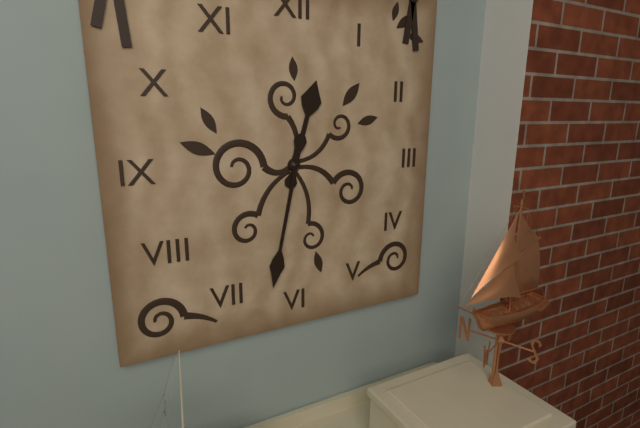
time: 12:32
